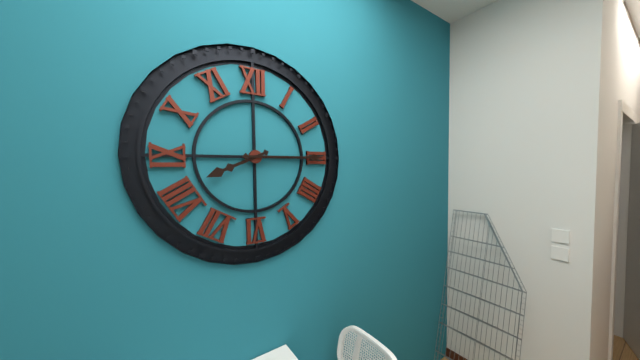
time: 8:15
